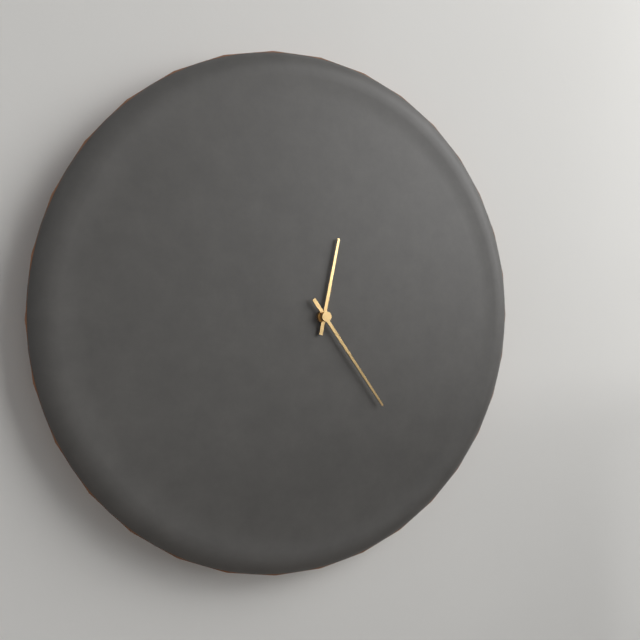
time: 12:24
